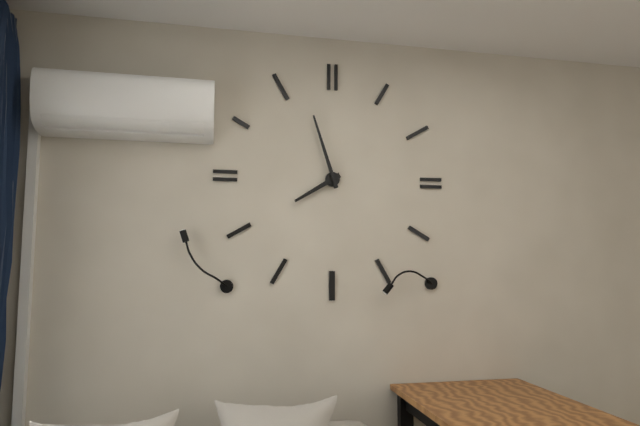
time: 7:57
